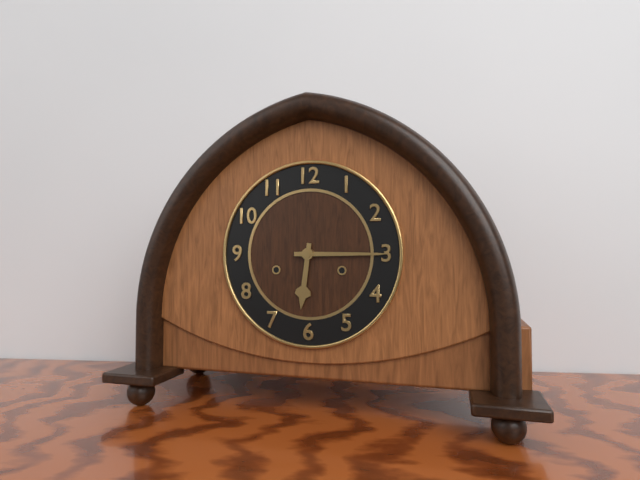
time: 6:15
